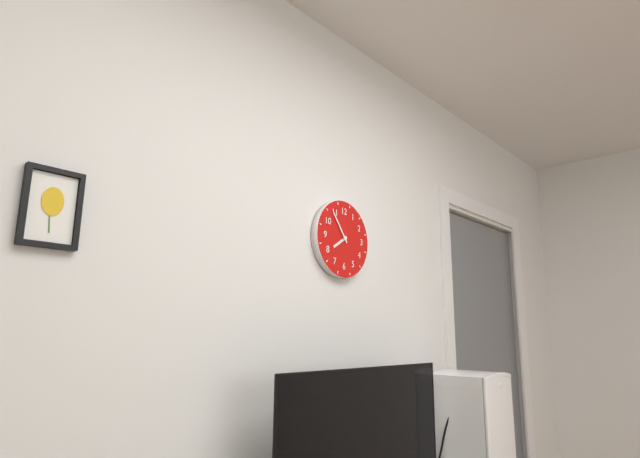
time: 7:54
